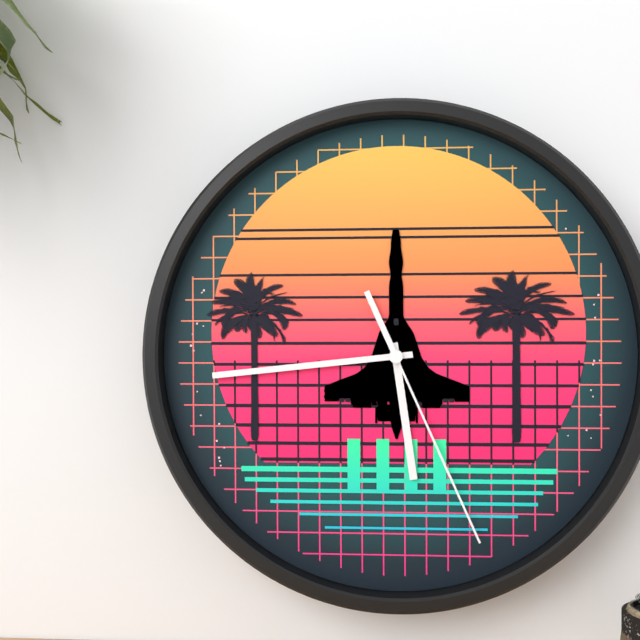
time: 5:44:26
